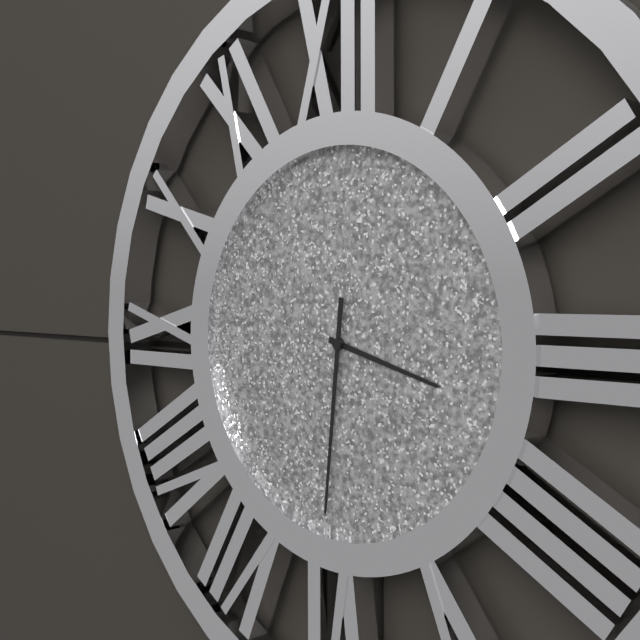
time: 3:31
